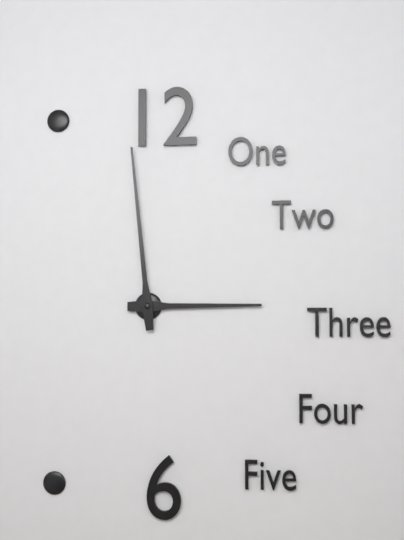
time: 2:59
